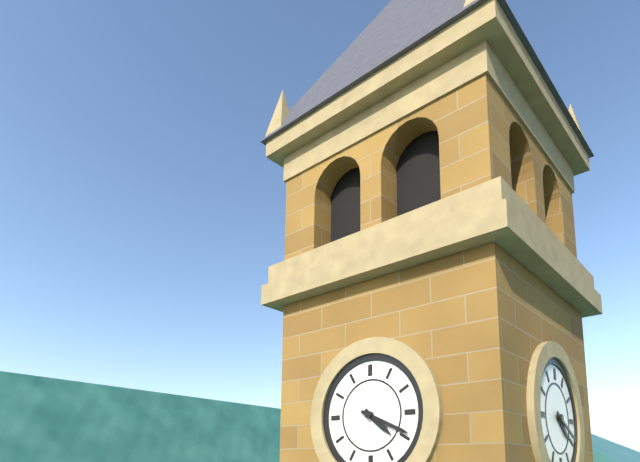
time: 4:19
